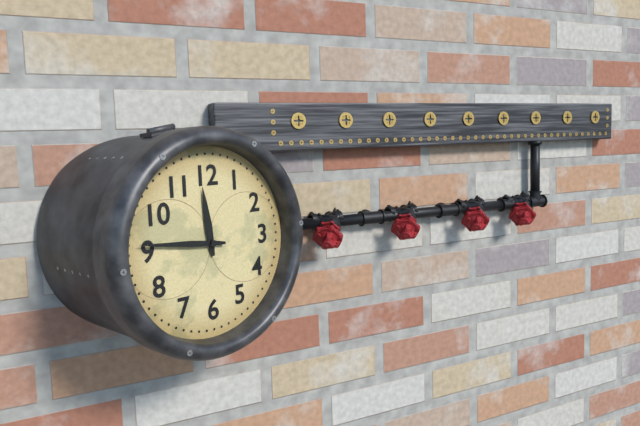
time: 11:46
